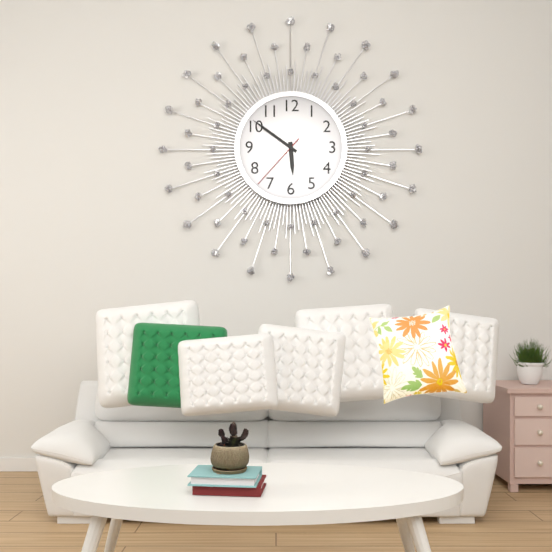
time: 5:51:37
